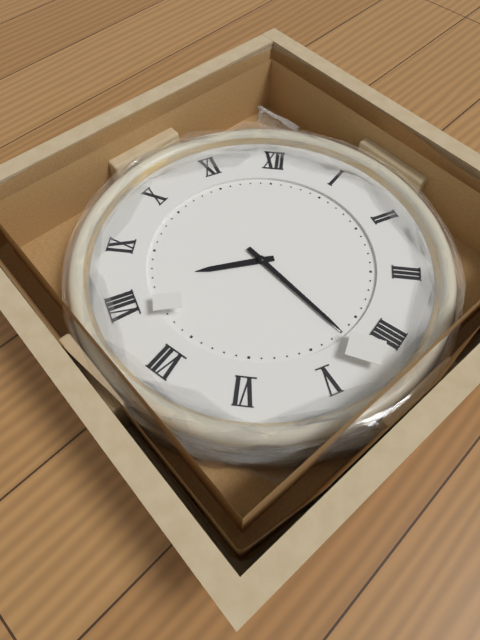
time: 8:22
